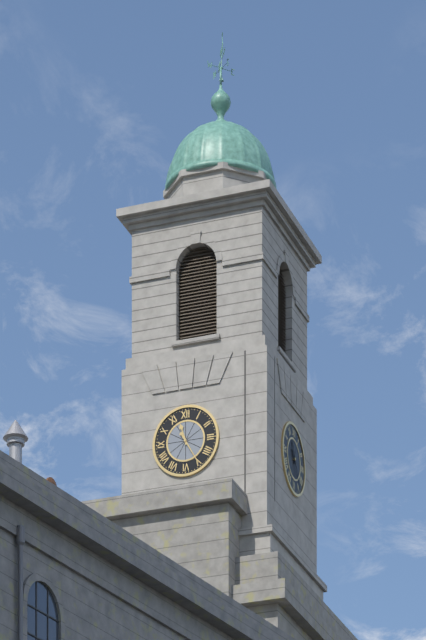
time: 11:25
